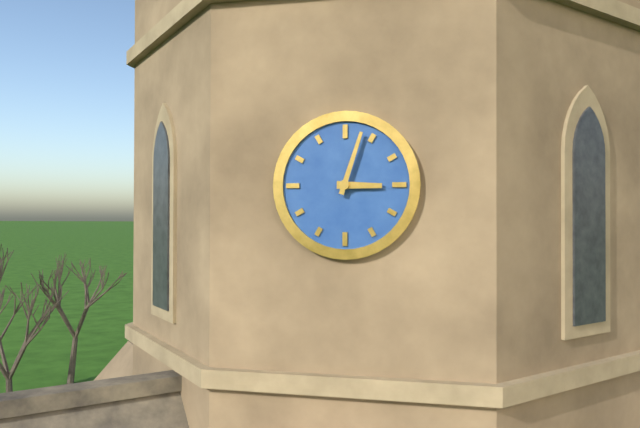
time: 3:03
